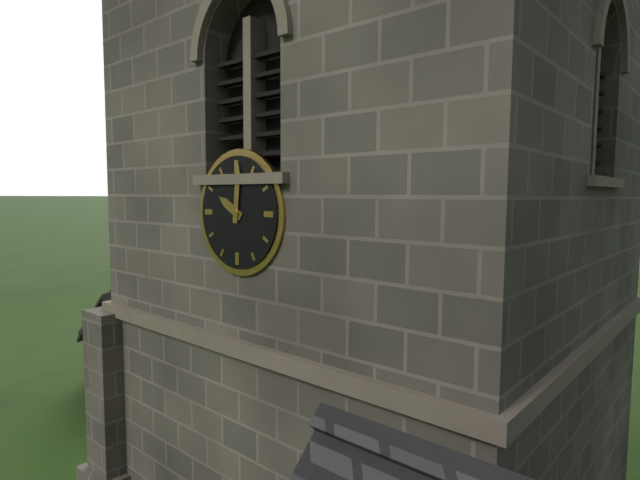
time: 10:01
